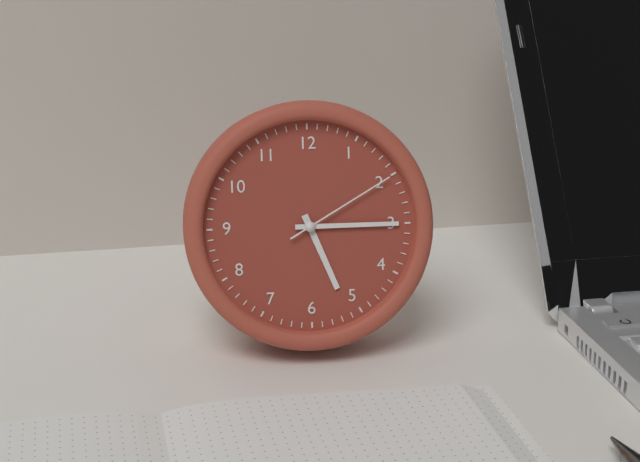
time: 5:15:10
